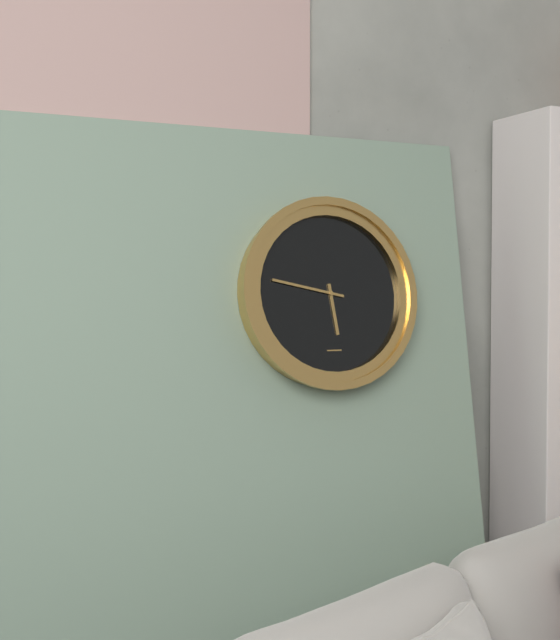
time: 5:47
